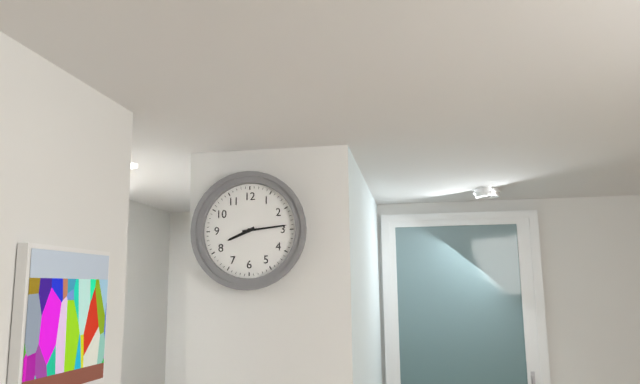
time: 8:14
